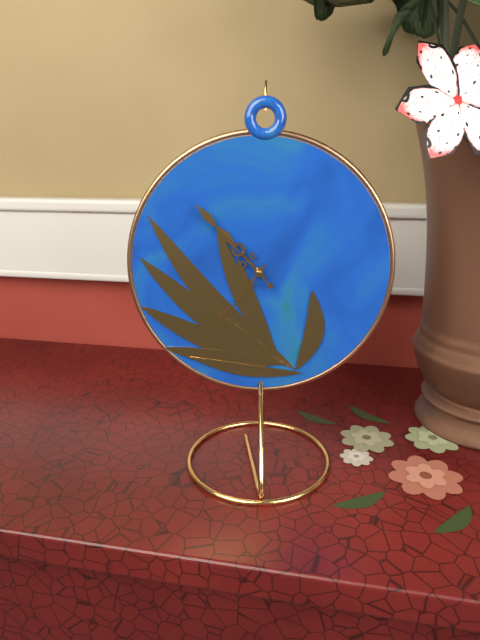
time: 10:36:53
